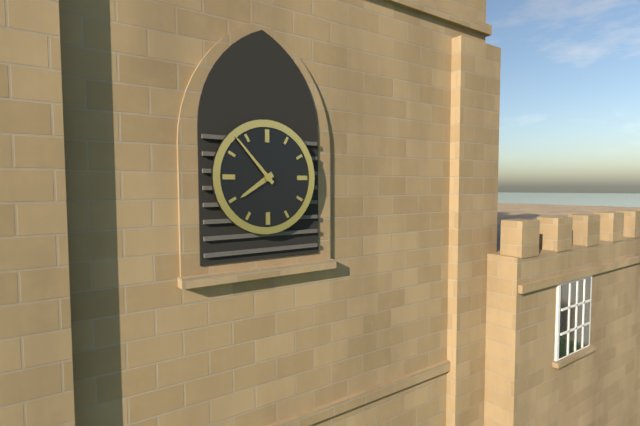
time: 7:53
